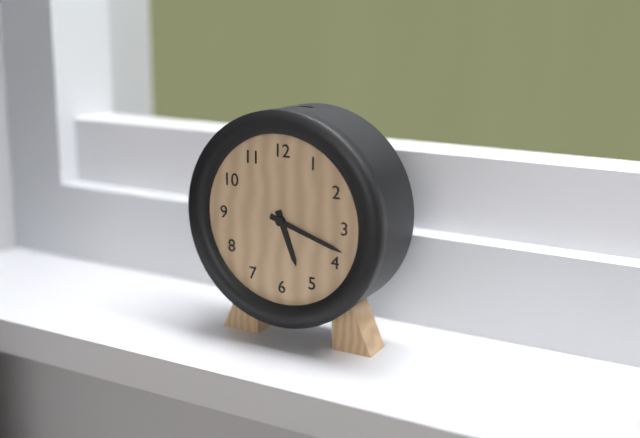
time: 5:18
